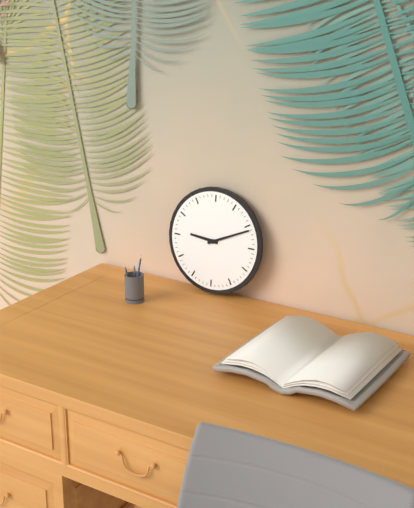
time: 9:11
